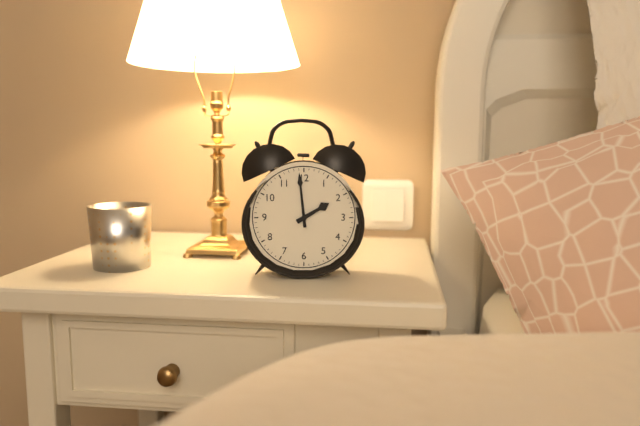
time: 1:59
